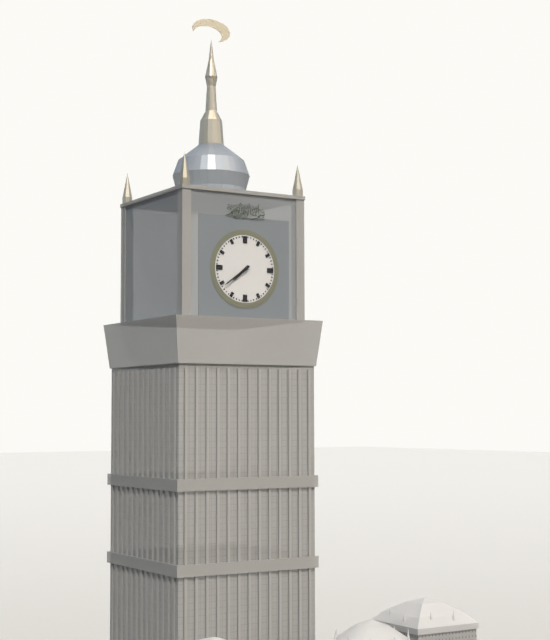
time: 7:39
